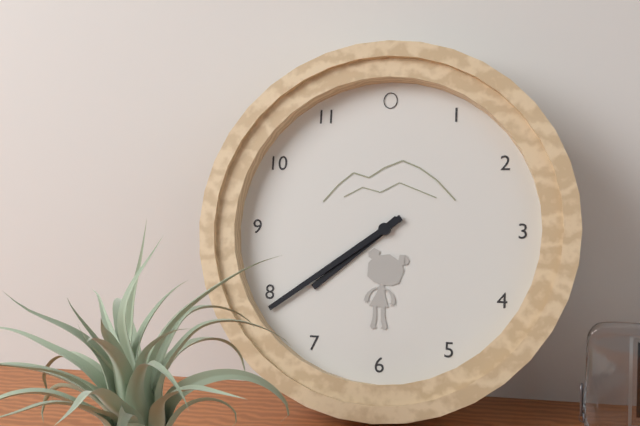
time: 7:39
